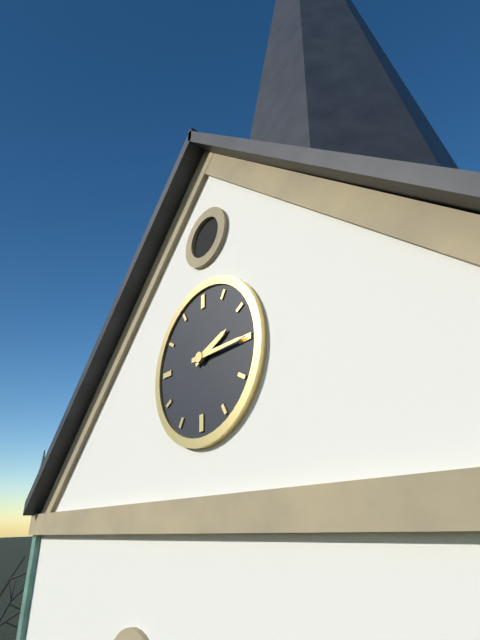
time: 2:15
